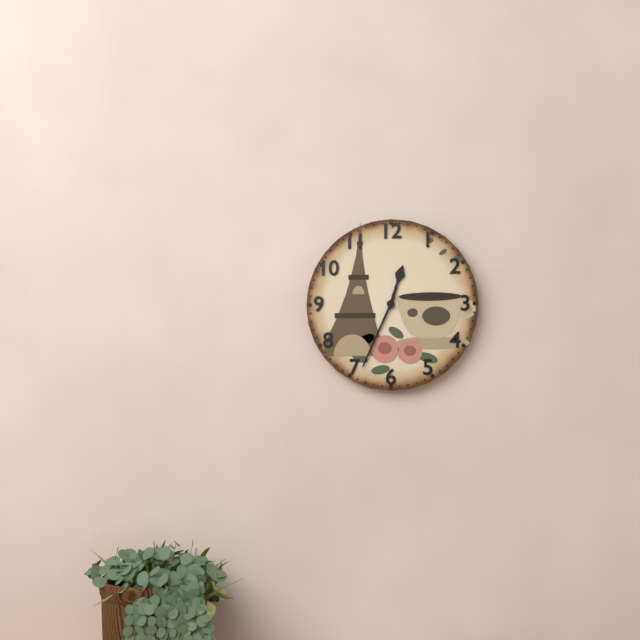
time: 12:34
